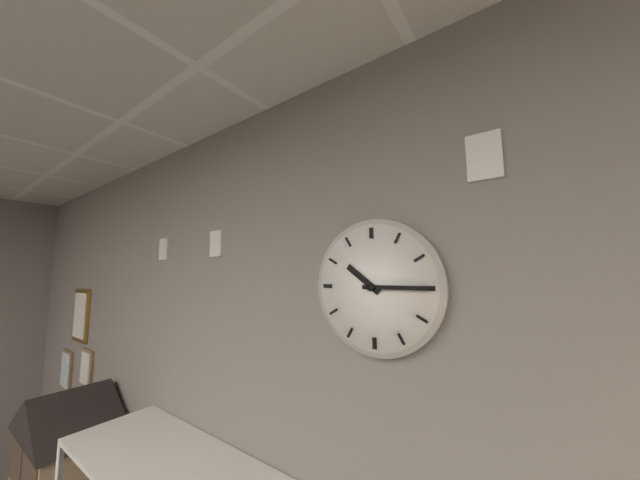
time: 10:15
